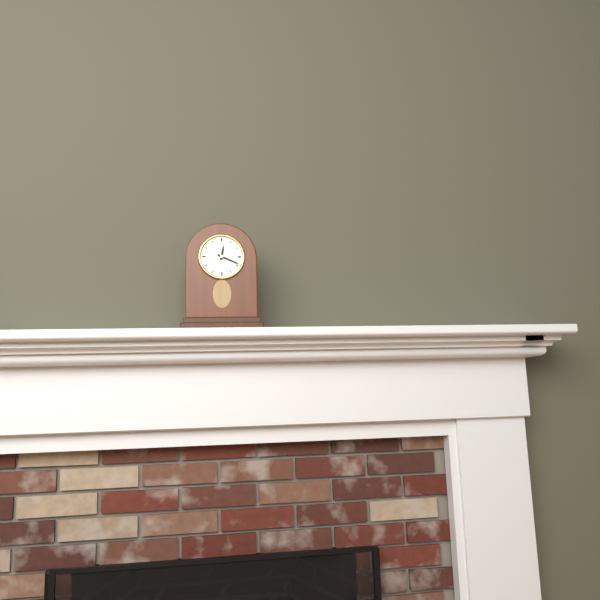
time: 12:19
